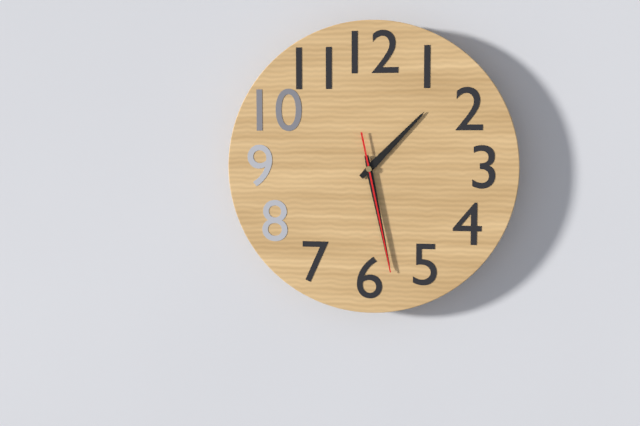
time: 1:28:28
